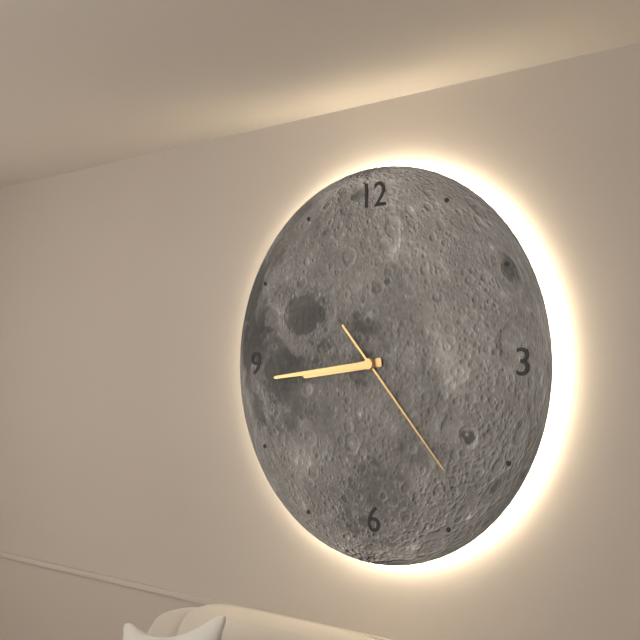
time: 8:44:23
